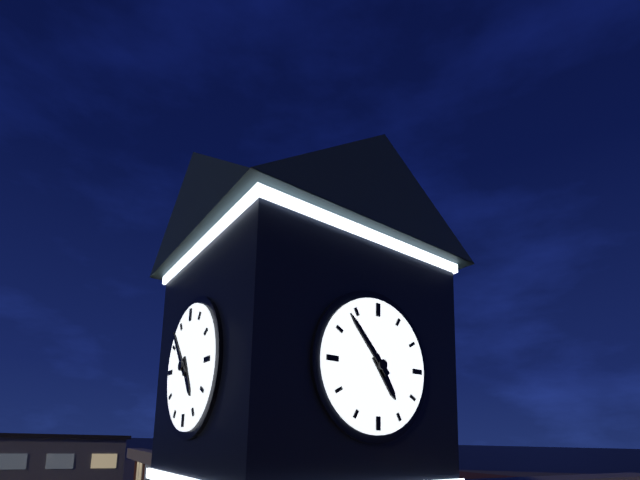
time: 4:53
